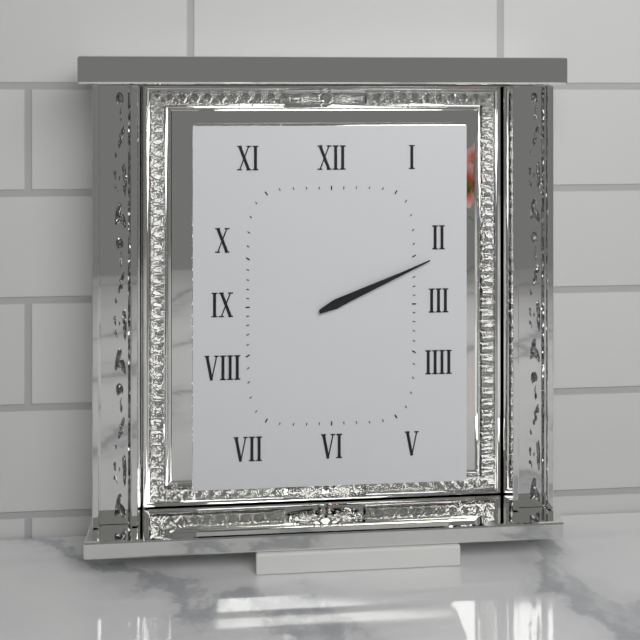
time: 2:11
